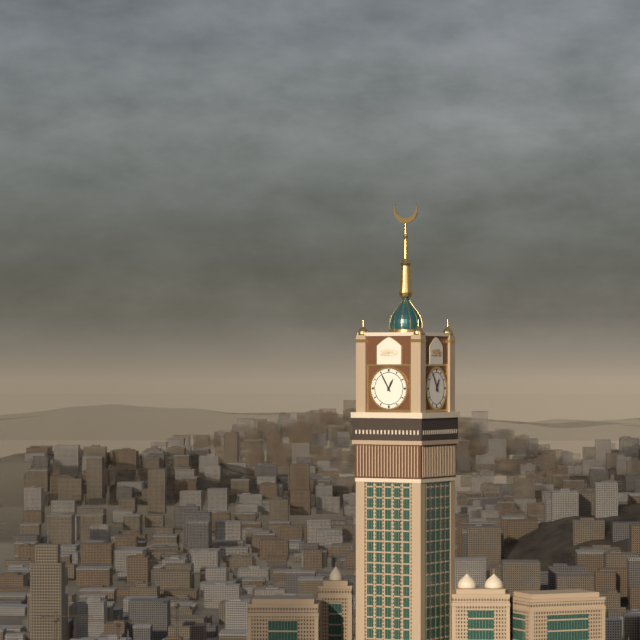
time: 12:55
